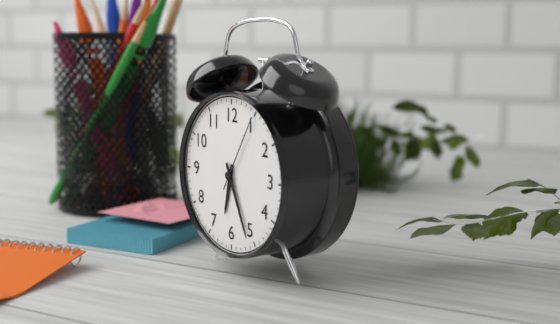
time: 6:26:05
